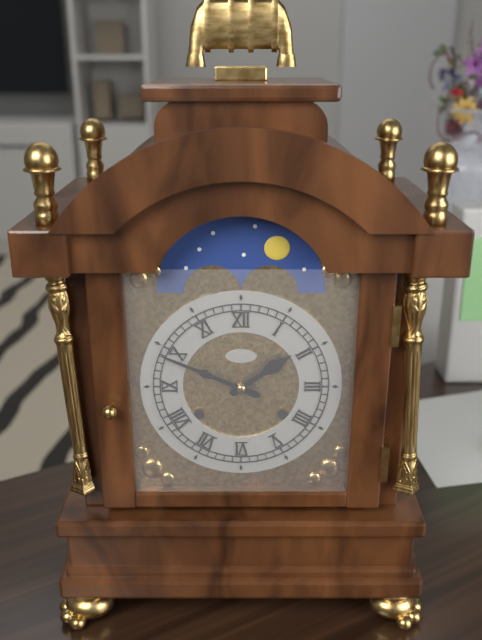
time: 1:49
